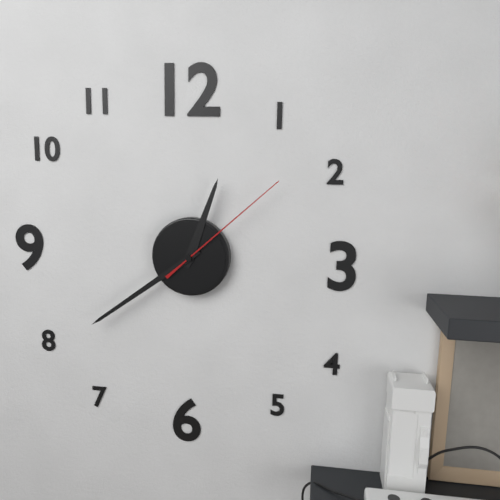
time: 12:39:08
